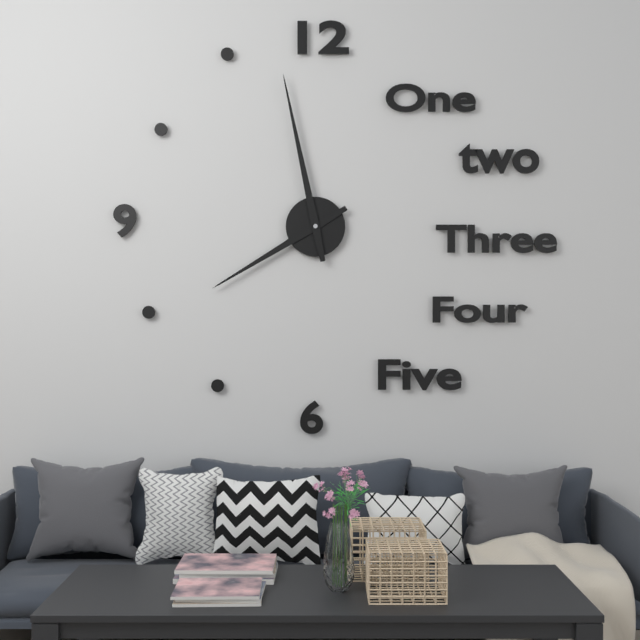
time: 7:58
